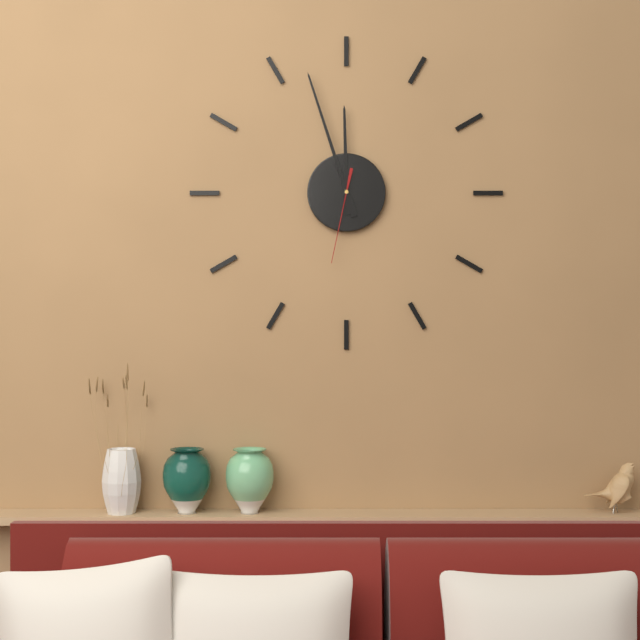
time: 11:57:32
